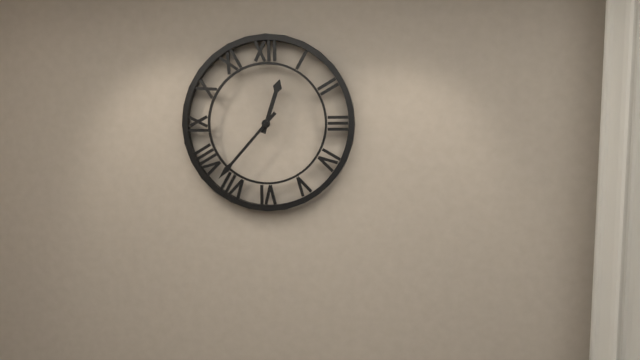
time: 12:37
